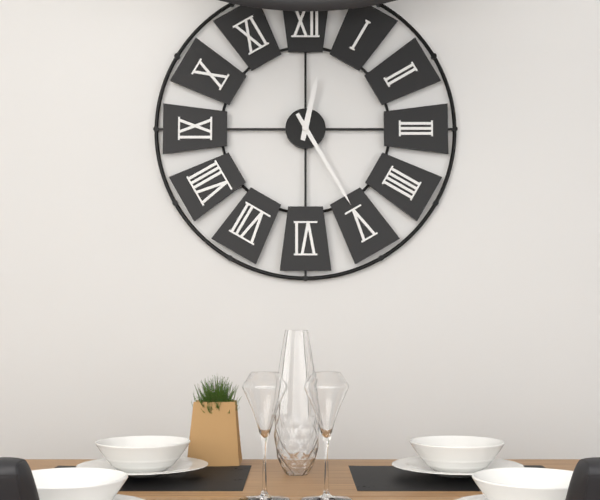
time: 12:25
